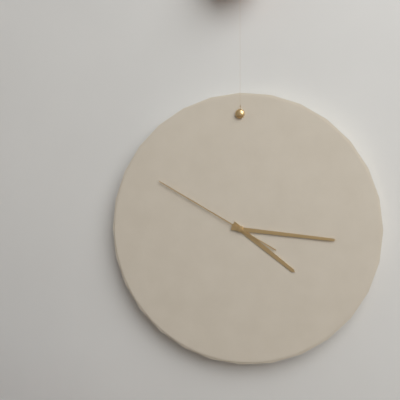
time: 4:16:50
